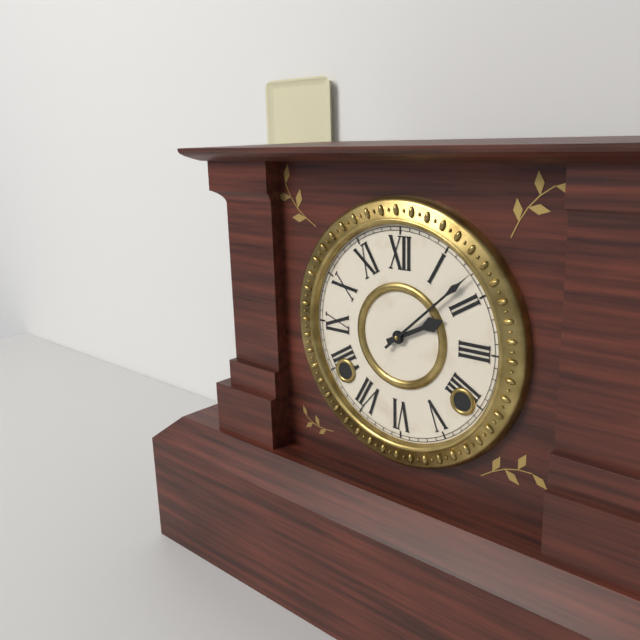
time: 2:08
